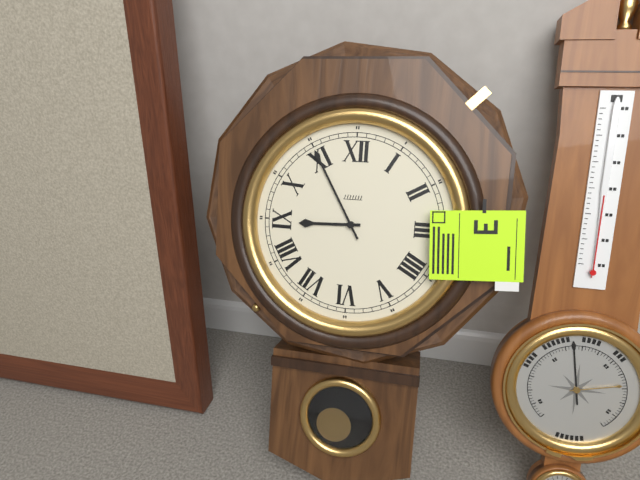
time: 8:55
